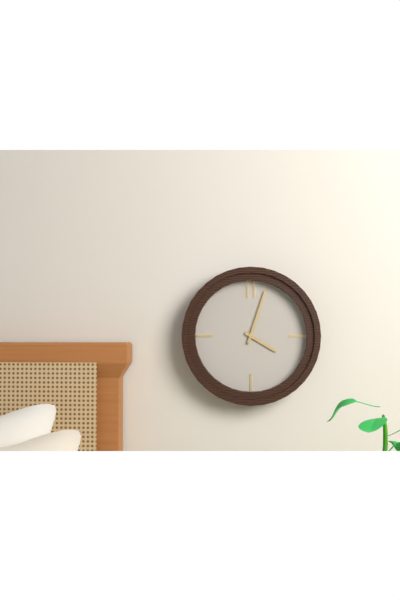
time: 4:03
